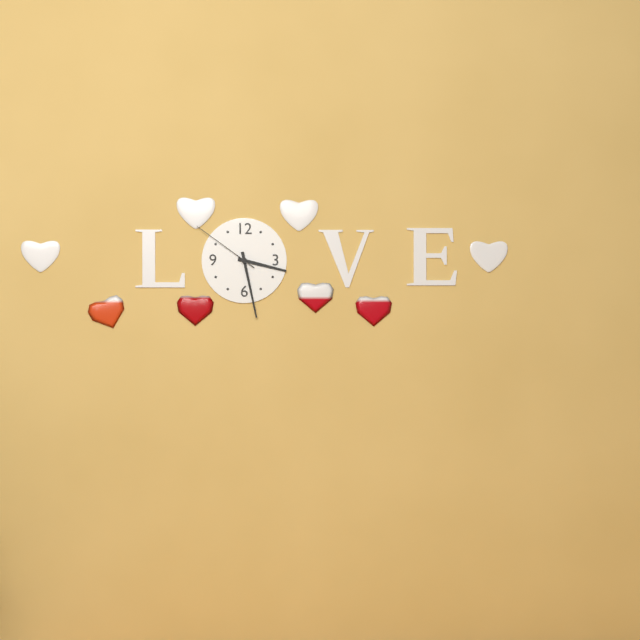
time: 3:28:51
